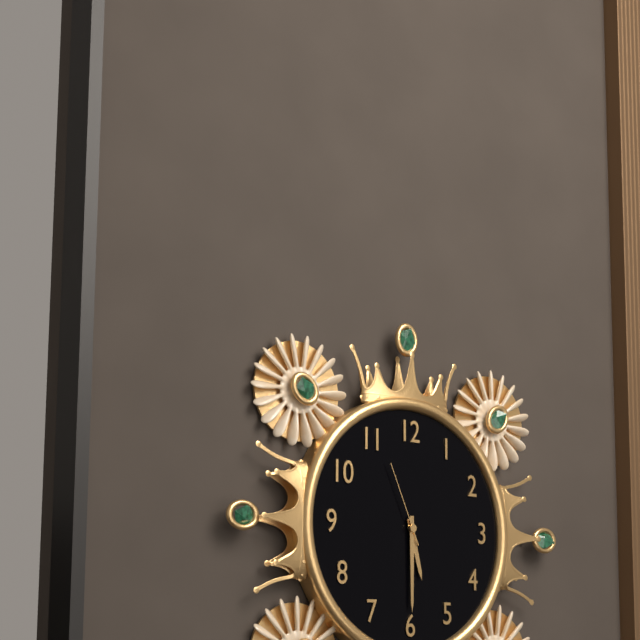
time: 5:30:56
